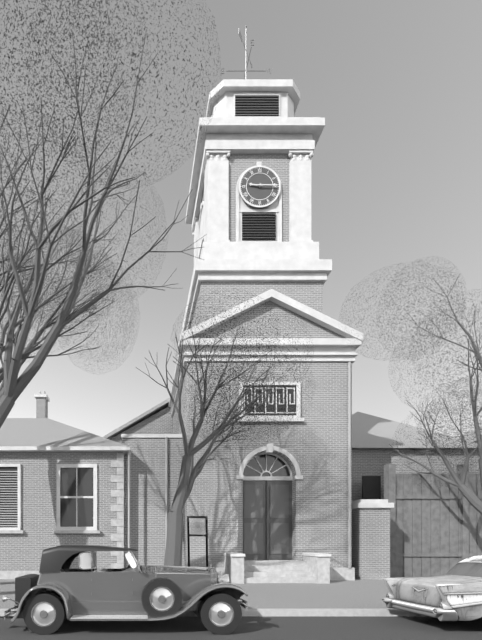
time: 9:15
